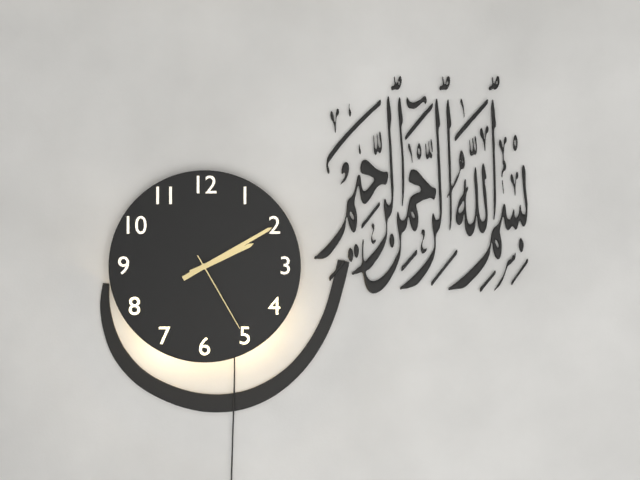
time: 2:10:25
